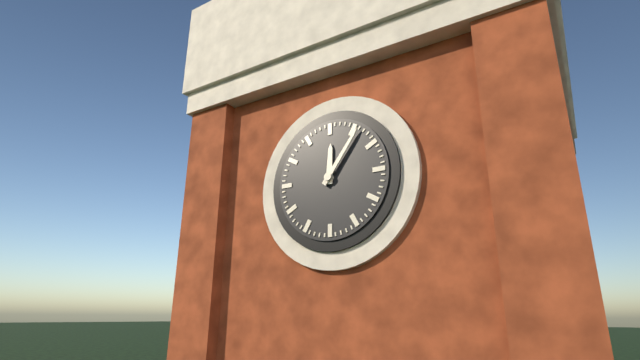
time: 12:06
